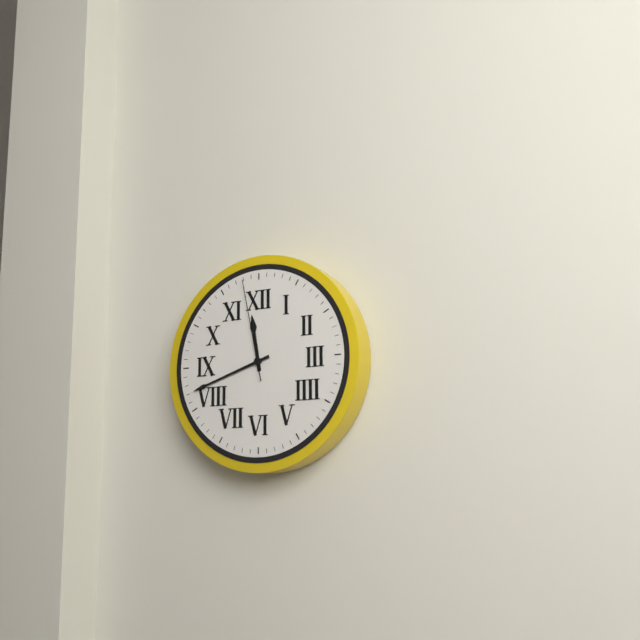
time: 11:42:58
